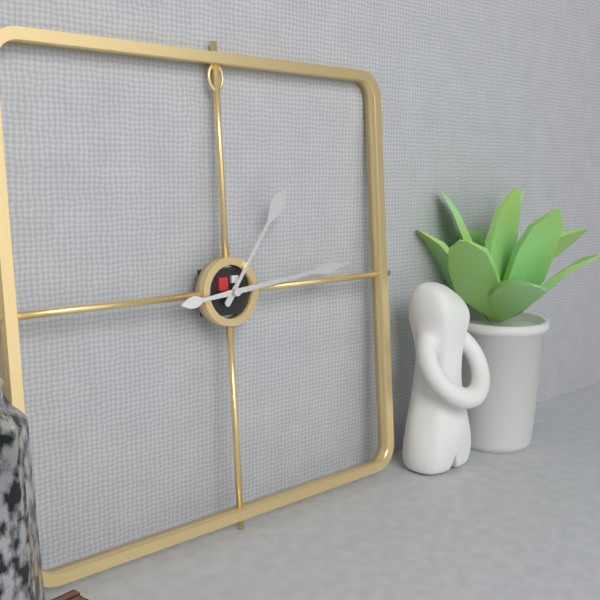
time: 1:14
